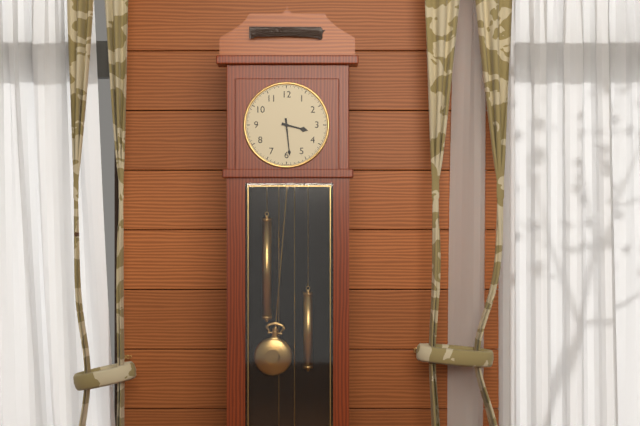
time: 3:29
